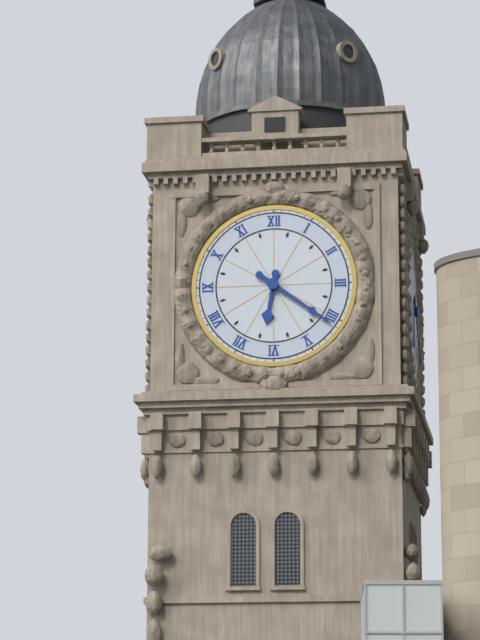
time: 6:21
